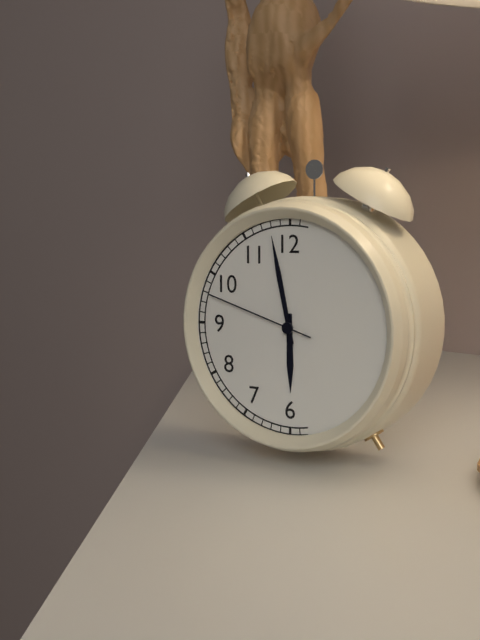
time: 5:58:48
